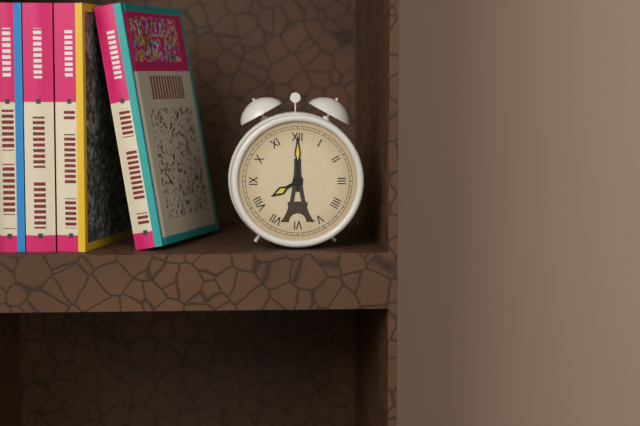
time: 8:00
